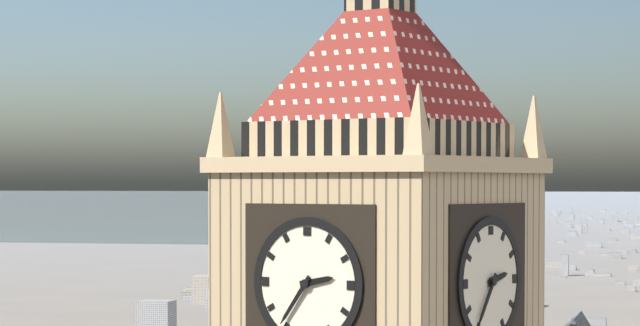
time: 2:36
